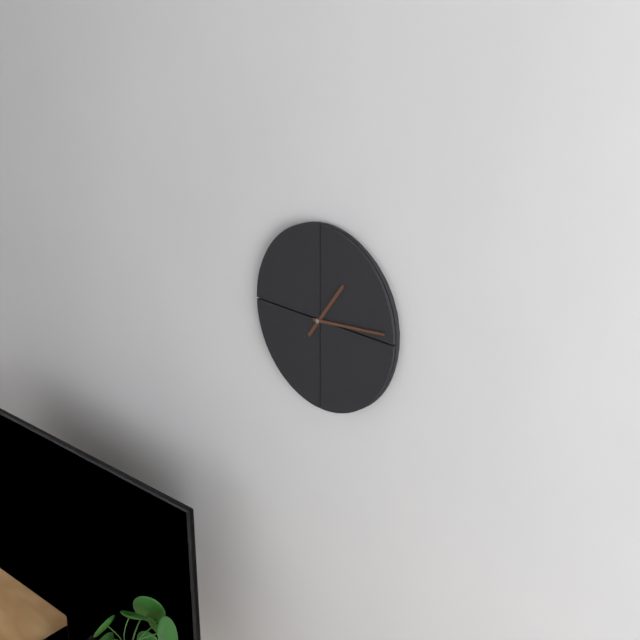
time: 1:14
